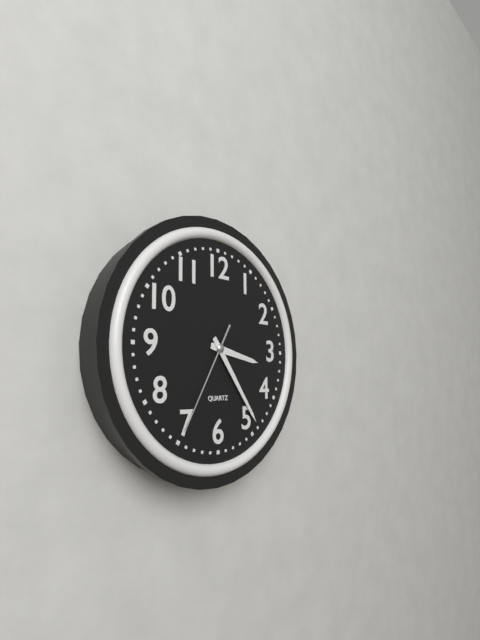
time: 3:24:35
